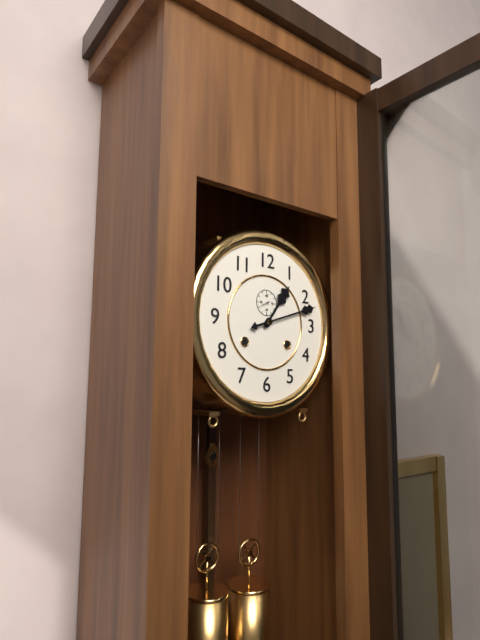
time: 1:12
